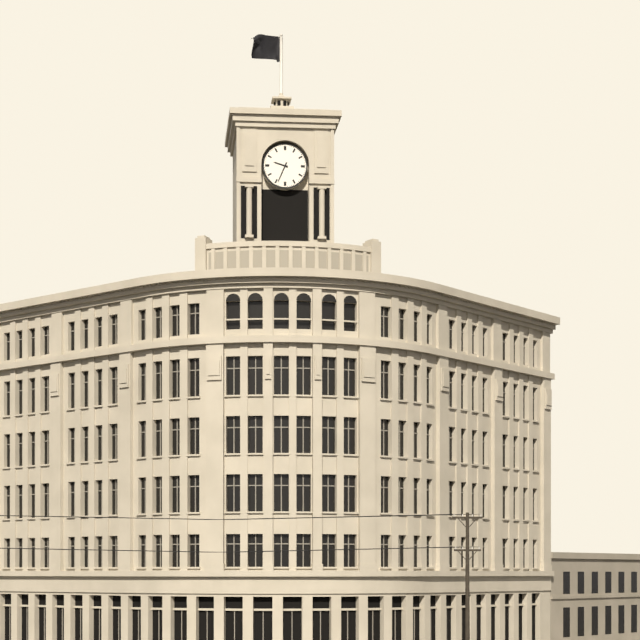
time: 9:34
